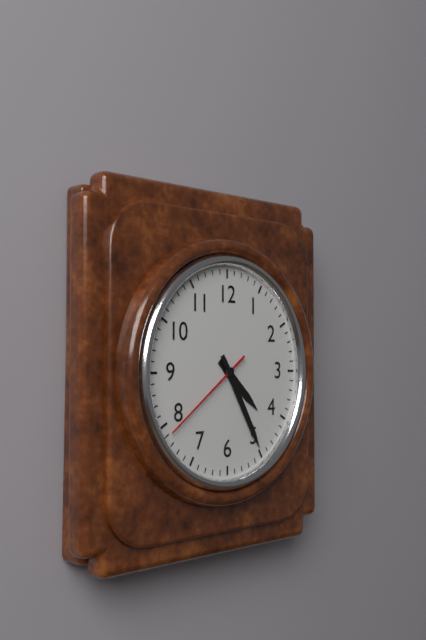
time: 4:25:39
